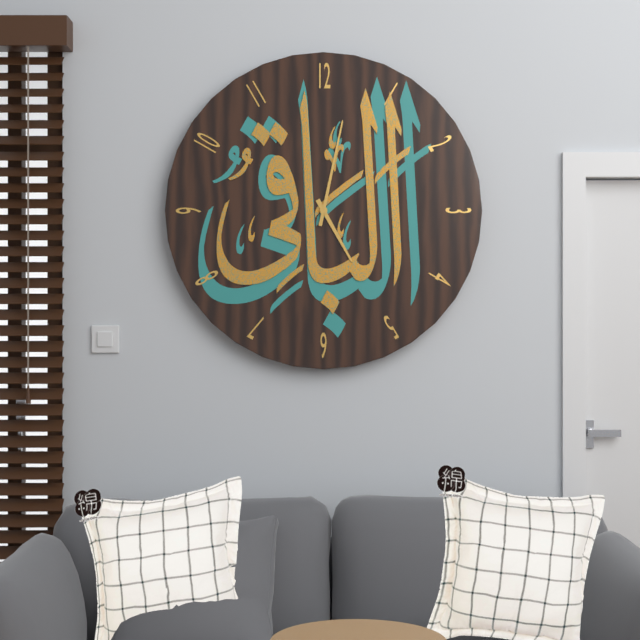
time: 5:02
